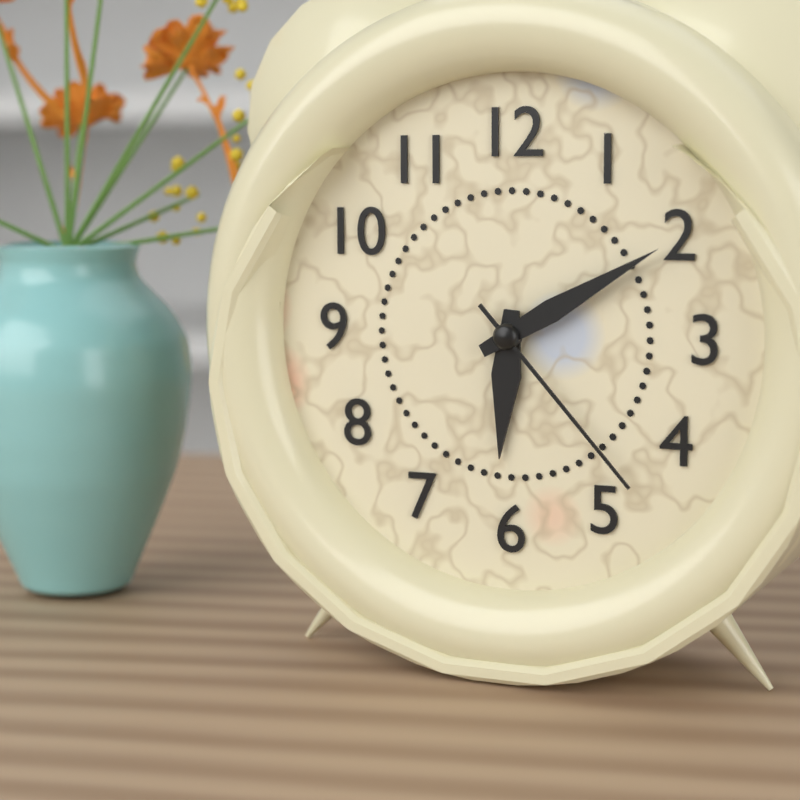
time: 6:10:23
